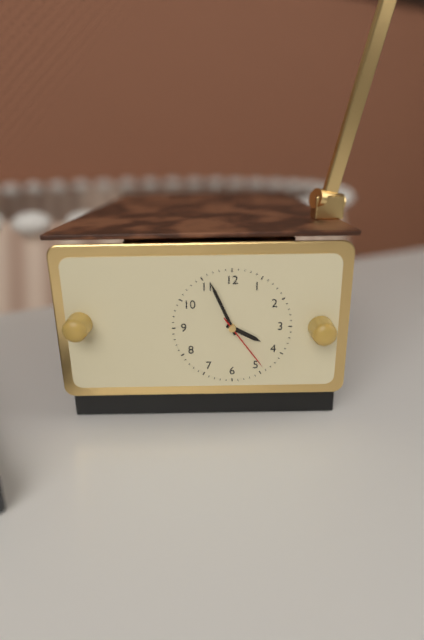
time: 3:56:24
